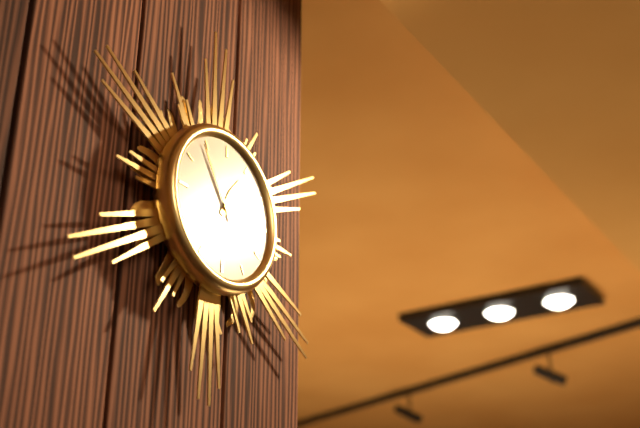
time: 12:54
